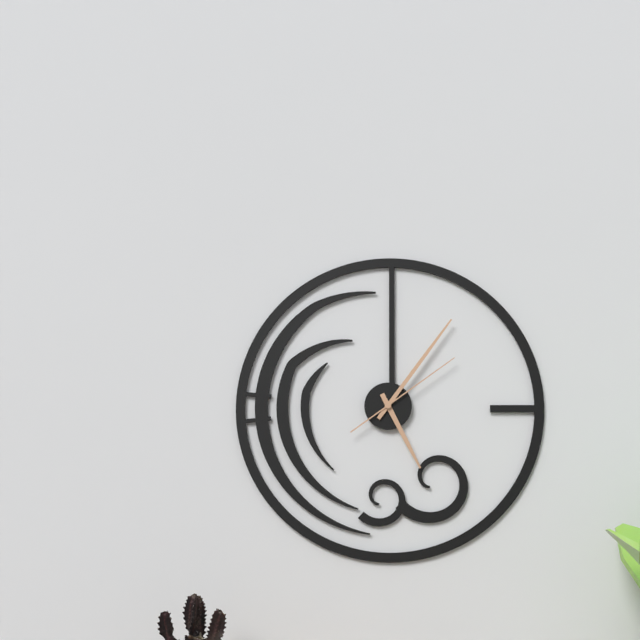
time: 5:06:09
